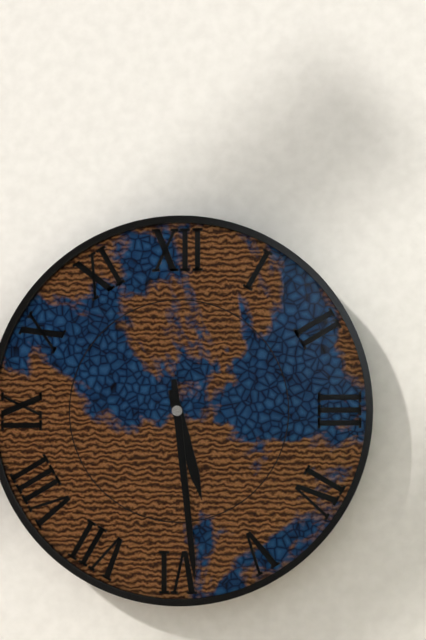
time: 5:29
